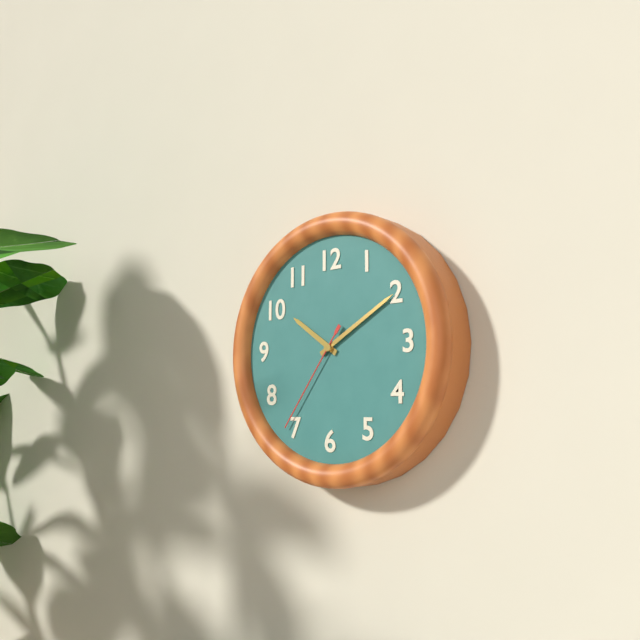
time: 10:10:36
